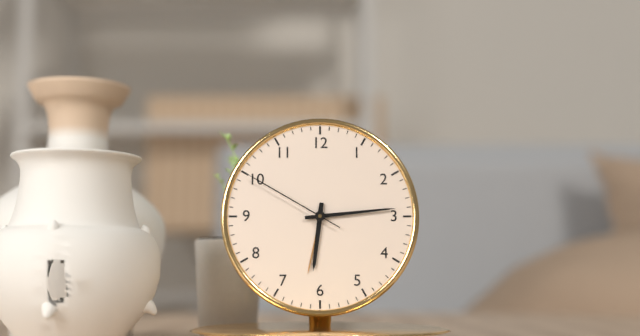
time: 6:14:50
